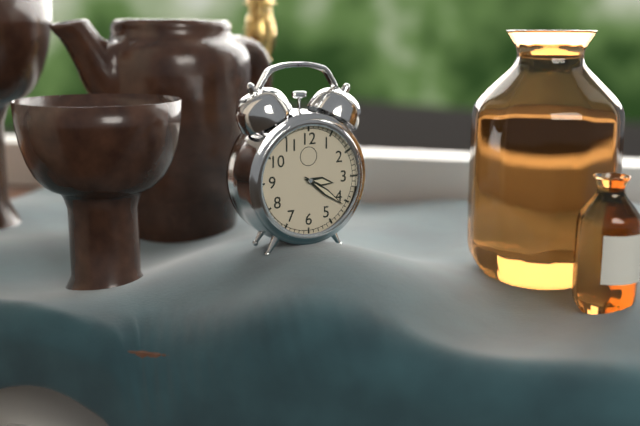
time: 3:21
